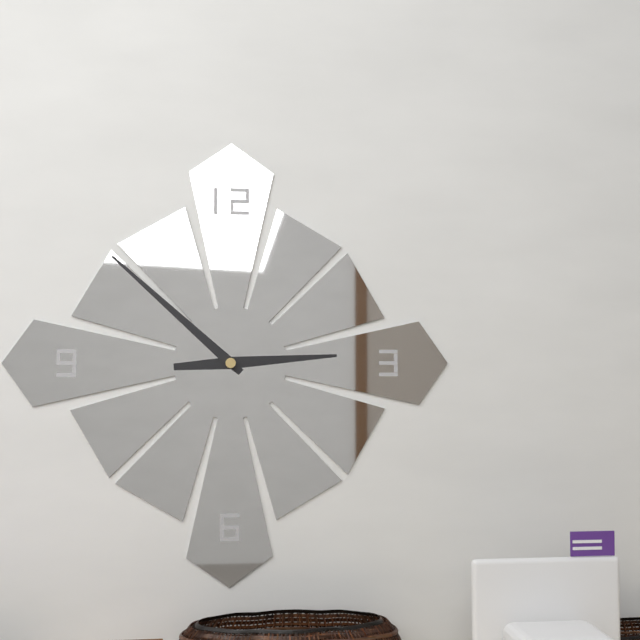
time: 2:52
